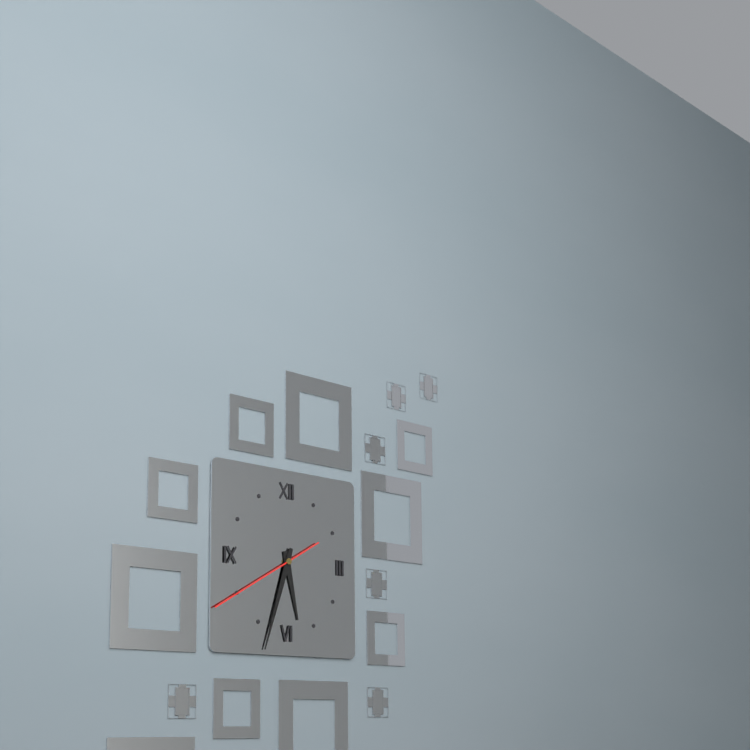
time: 5:33:40
